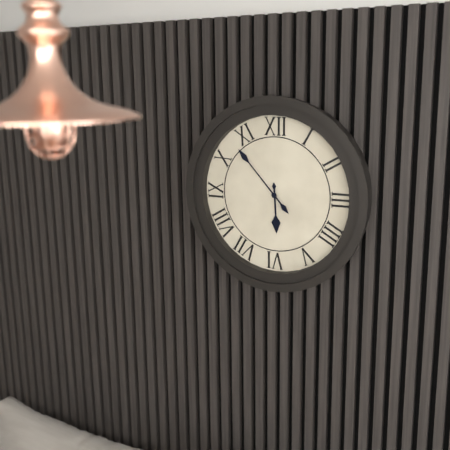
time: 5:53
